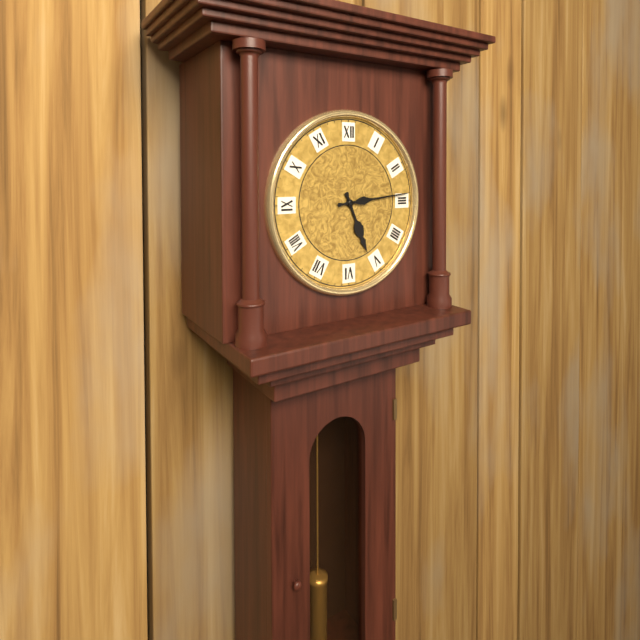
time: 5:14
